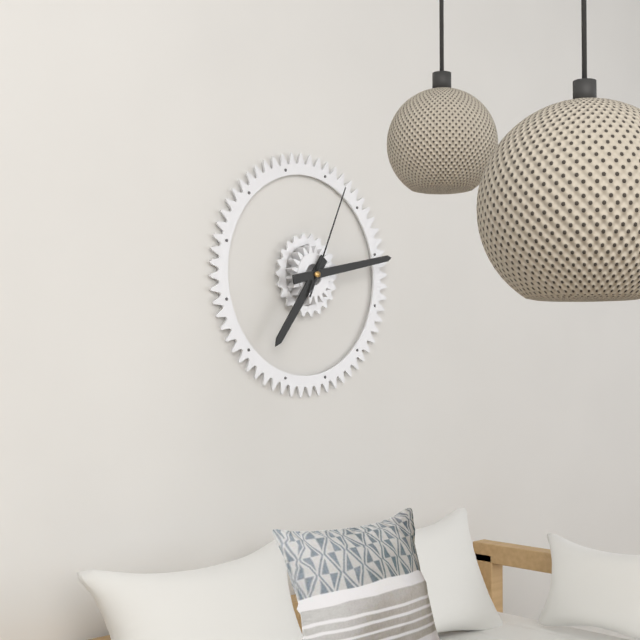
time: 7:13:04
